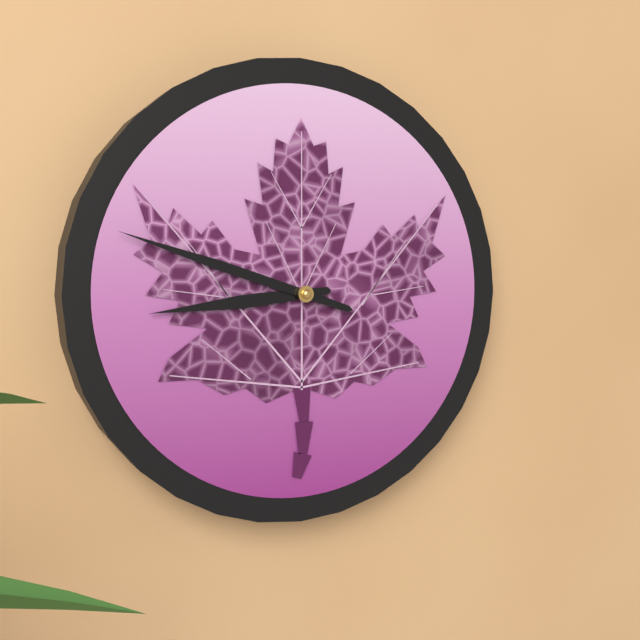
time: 8:48
